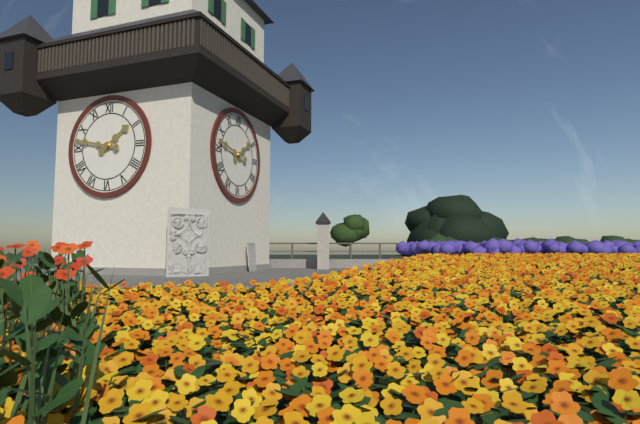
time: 1:47
